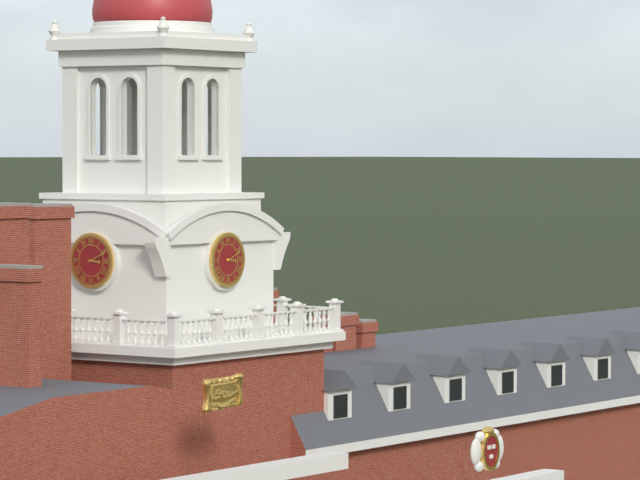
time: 3:11
